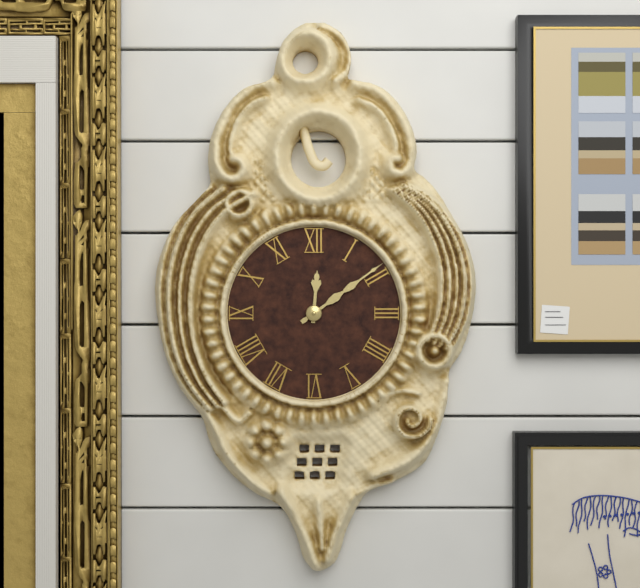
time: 12:09
